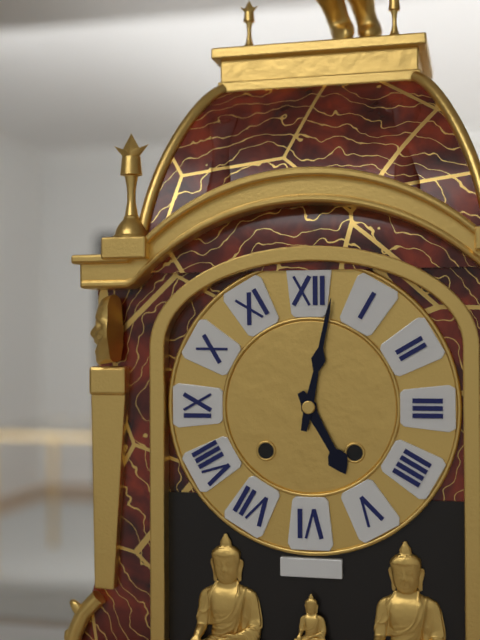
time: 5:02
